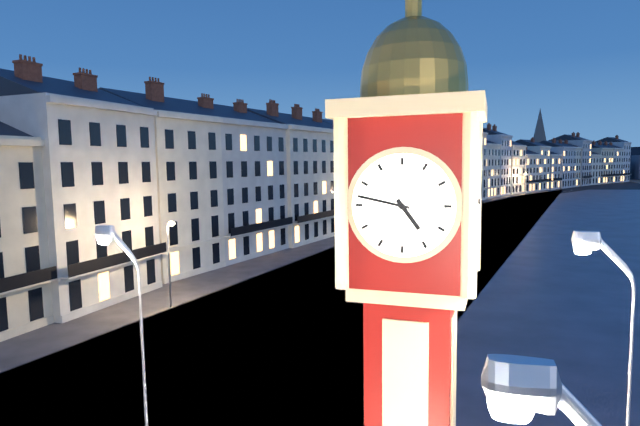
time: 4:47
